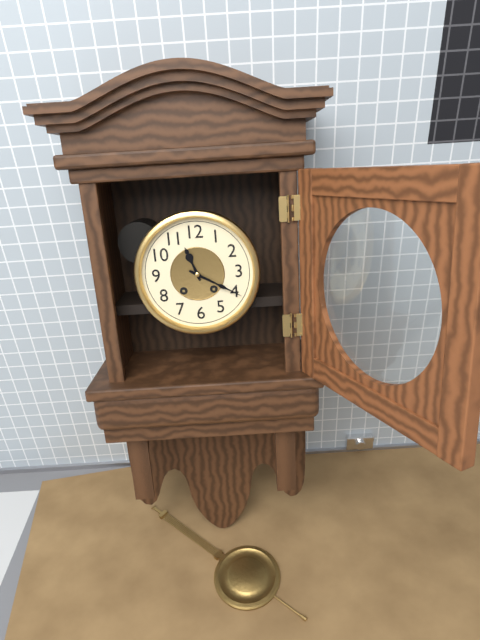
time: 11:20
